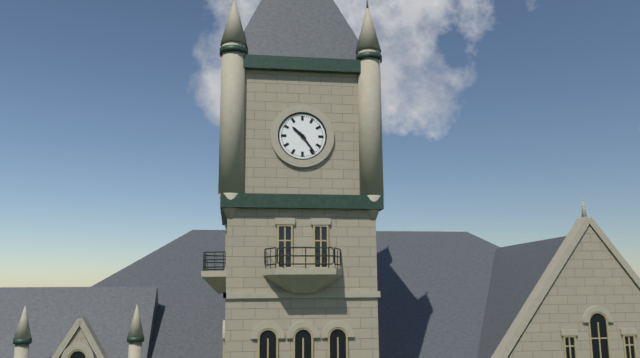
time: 10:24
